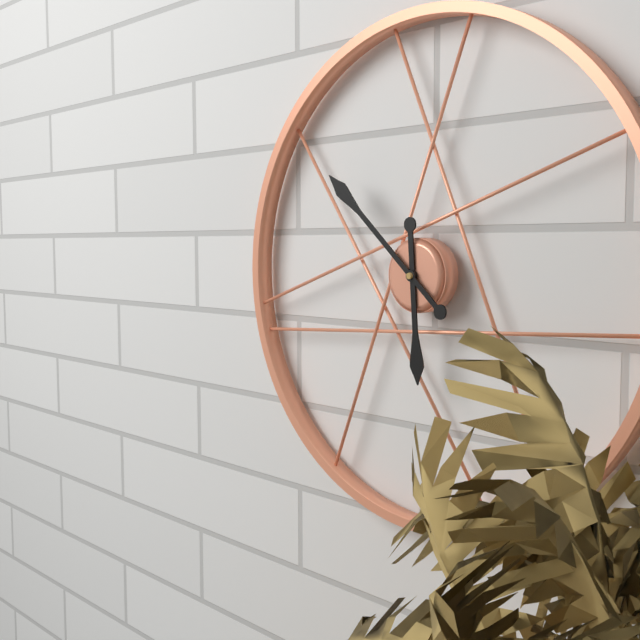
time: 5:52
